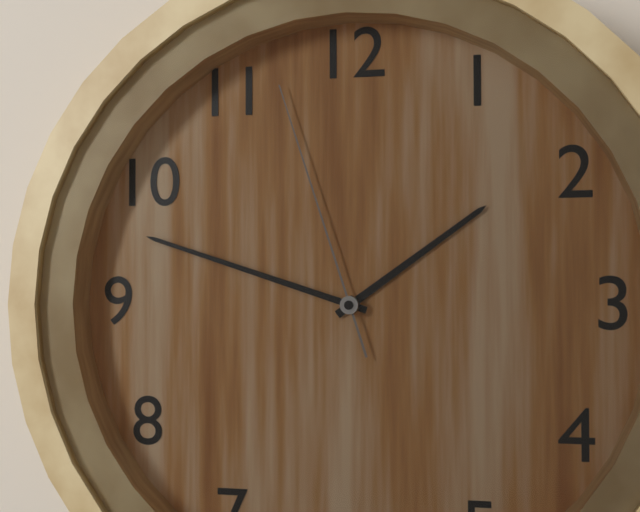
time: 1:48:57
